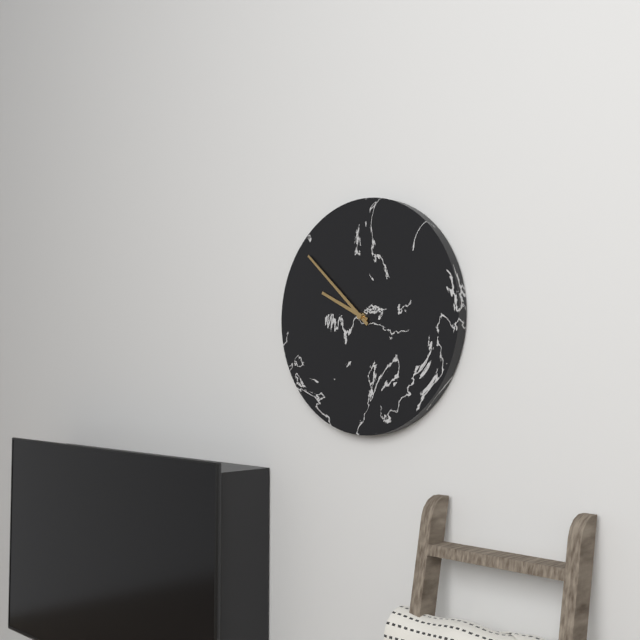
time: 9:52
